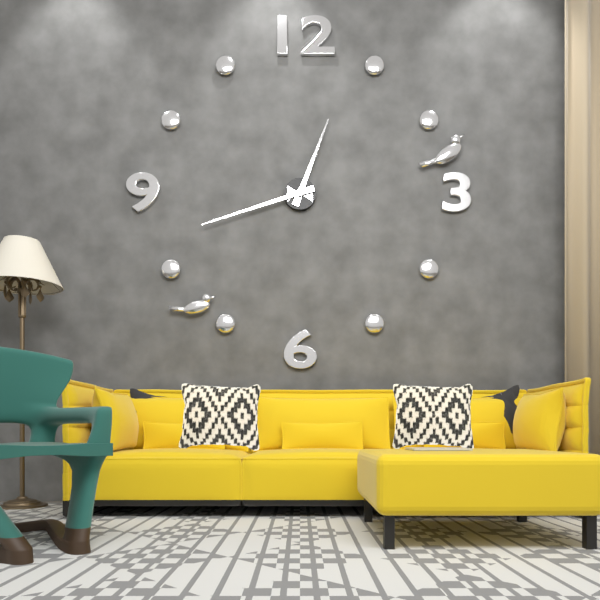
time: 12:42
